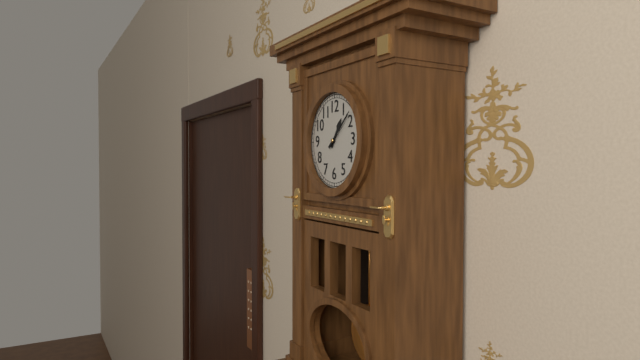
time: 1:08
